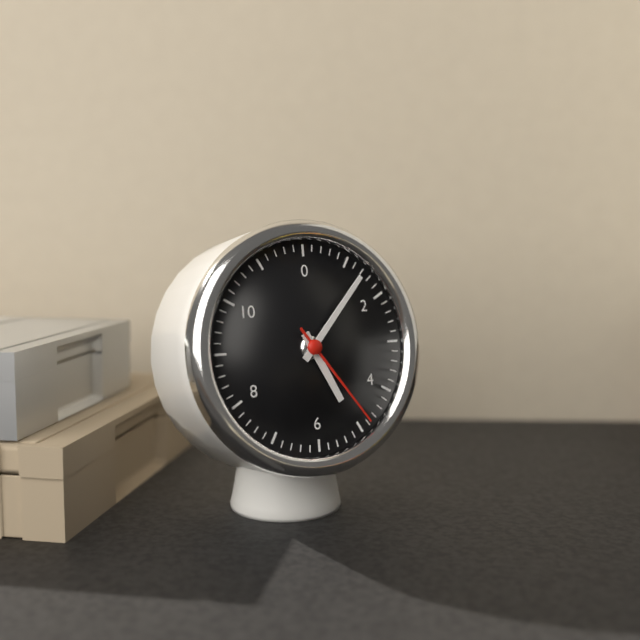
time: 5:07:24
